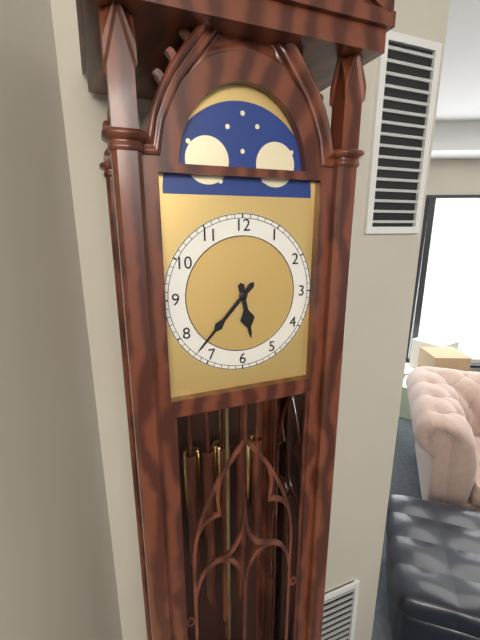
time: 5:37
